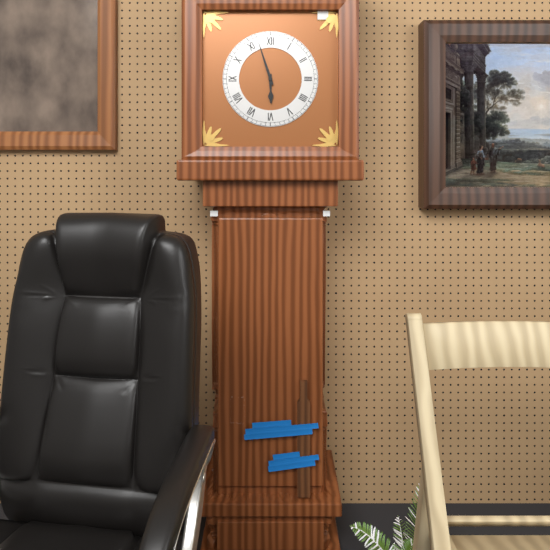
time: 5:57
